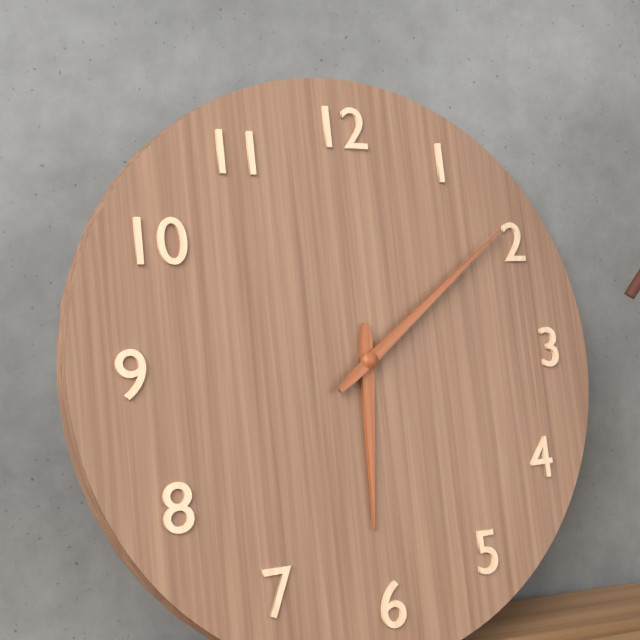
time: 6:09
